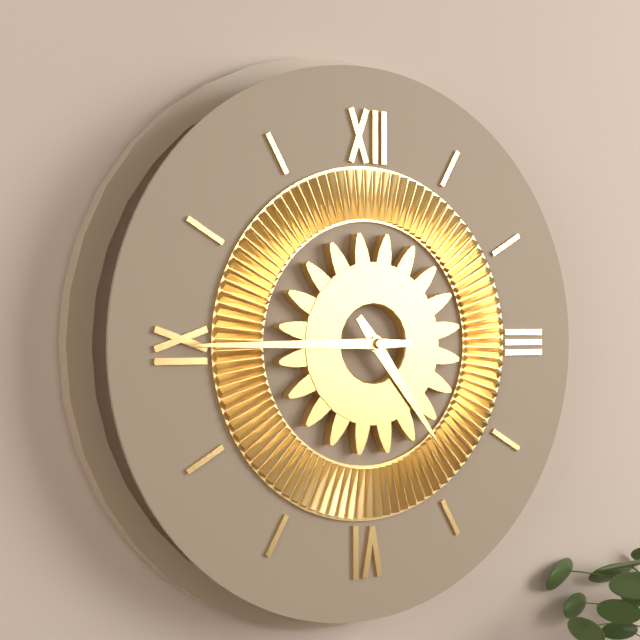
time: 4:45
